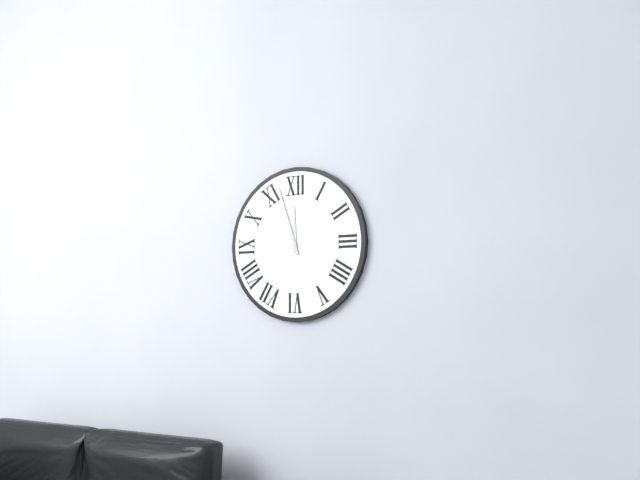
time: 11:57
